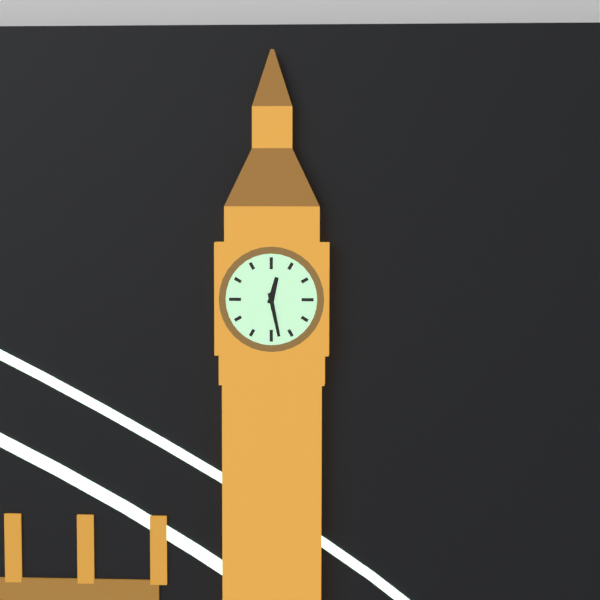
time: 12:28
